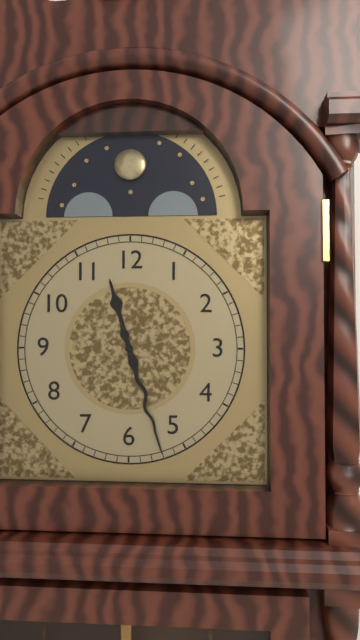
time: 11:27
